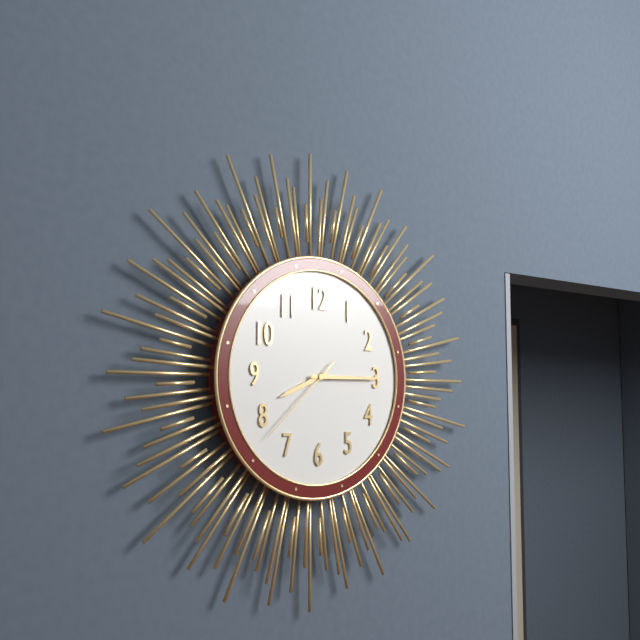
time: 8:15:38
